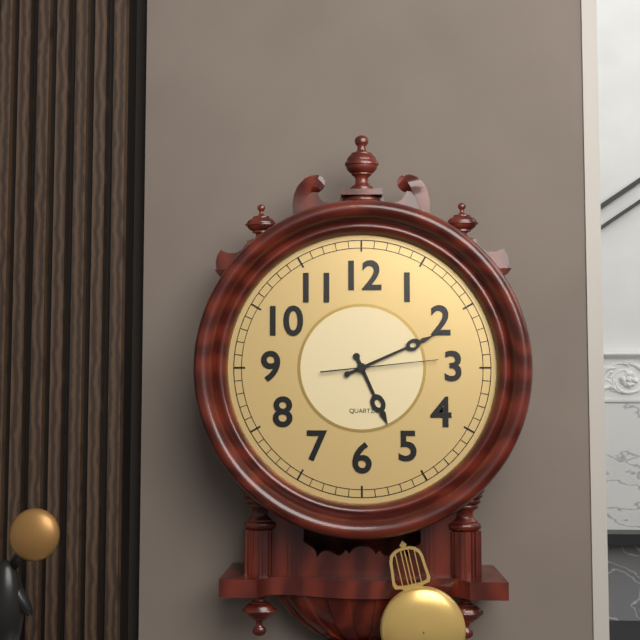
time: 5:11:14
